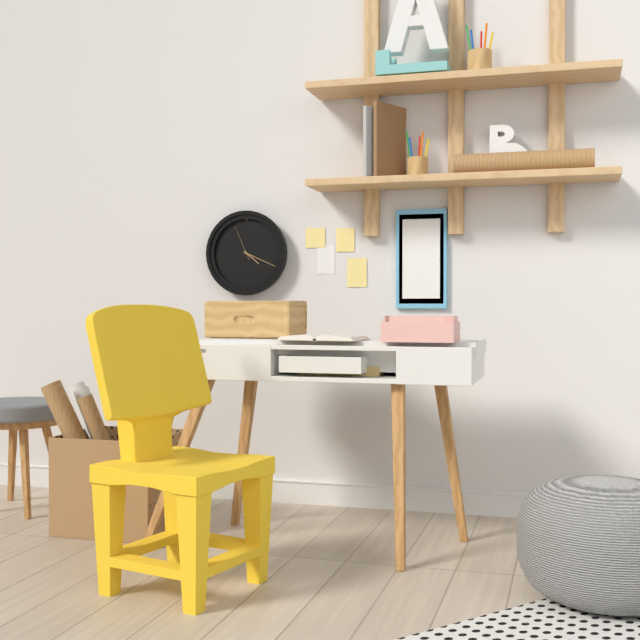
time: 4:19
